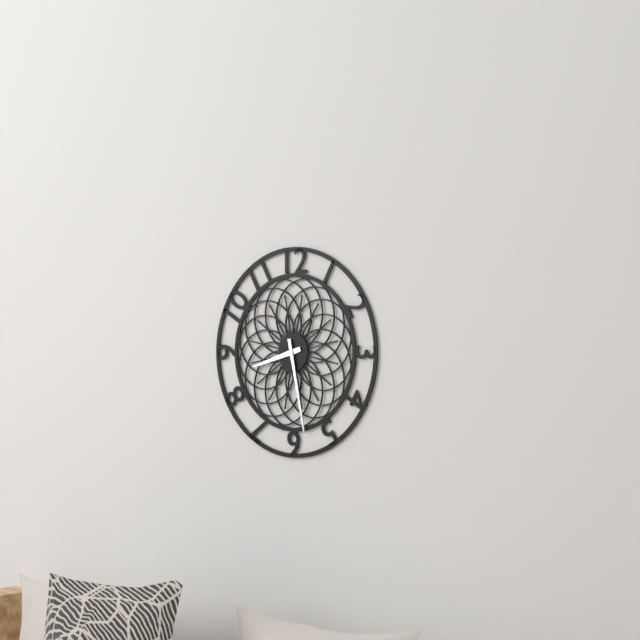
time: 8:28
